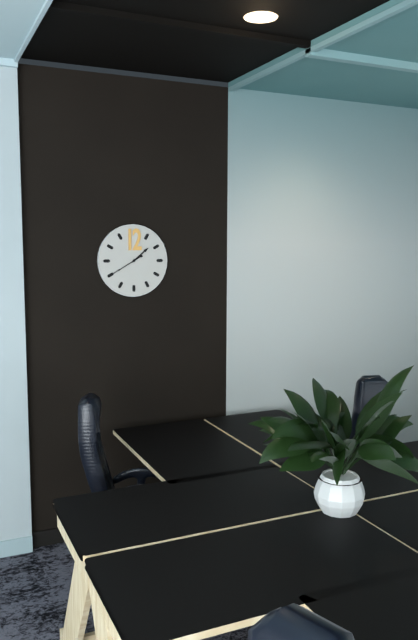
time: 1:40
